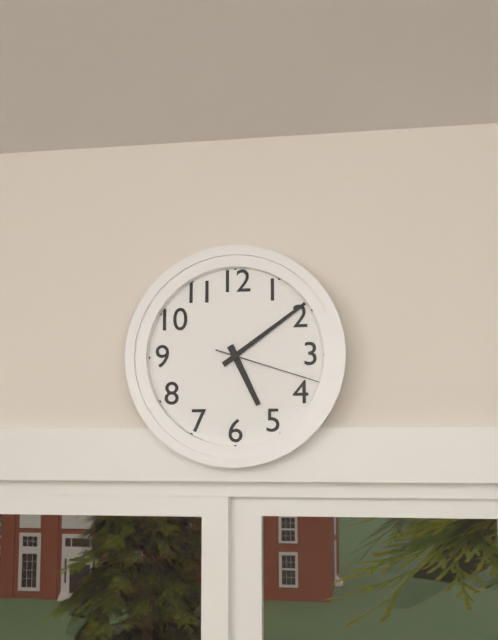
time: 5:09:18
